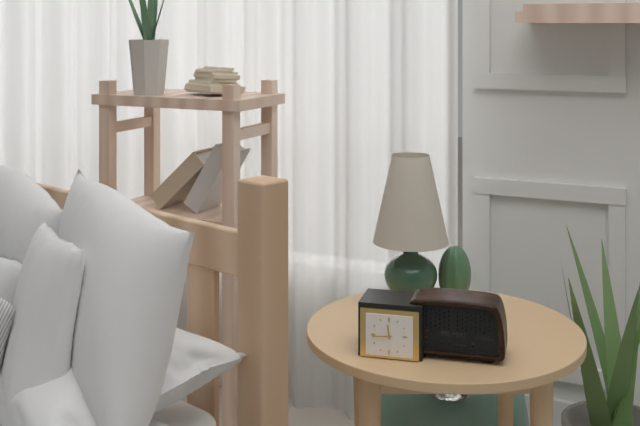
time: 11:44
